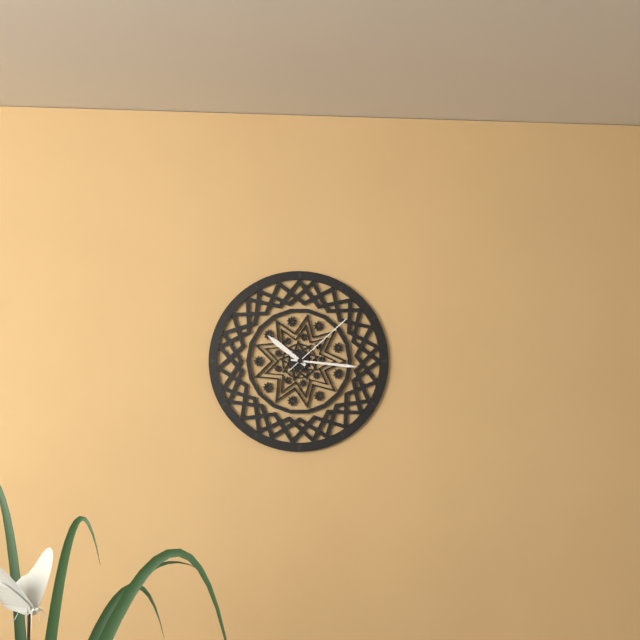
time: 10:16:08
